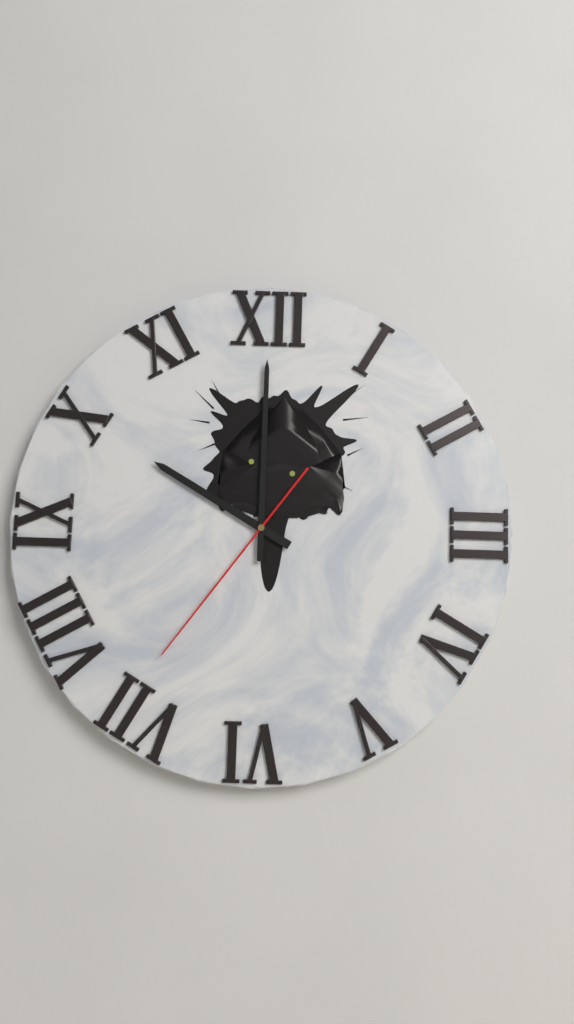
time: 10:00:36
